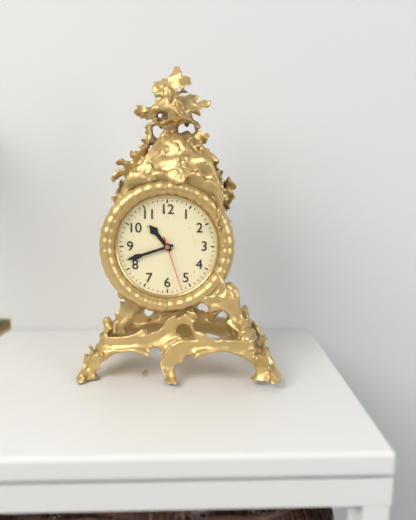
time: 10:42:27
